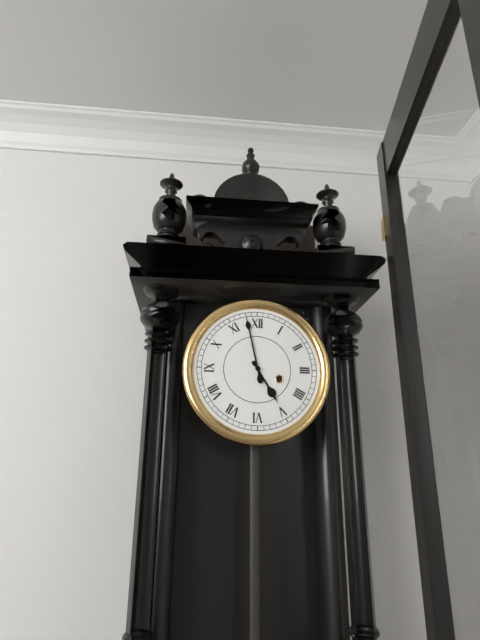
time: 4:58
